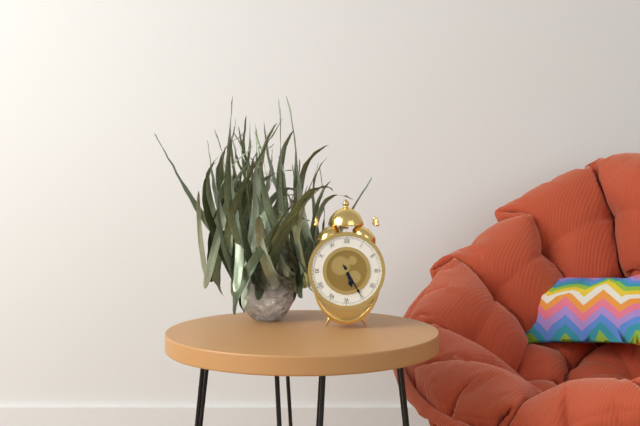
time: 5:25
